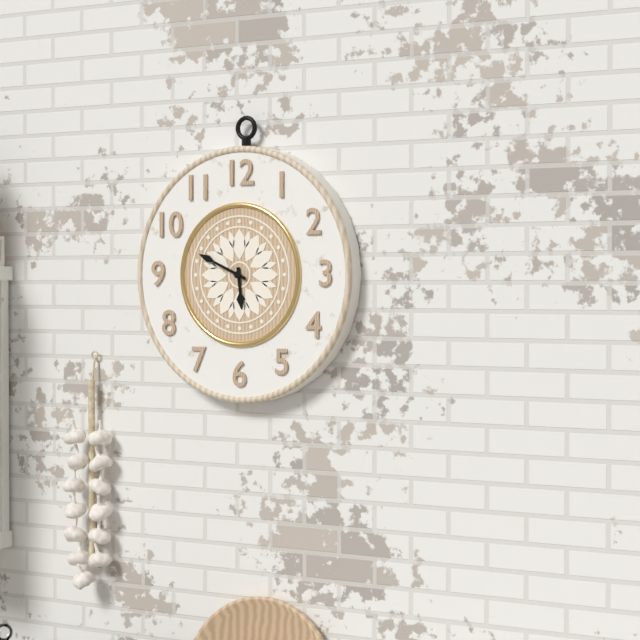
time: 5:49
